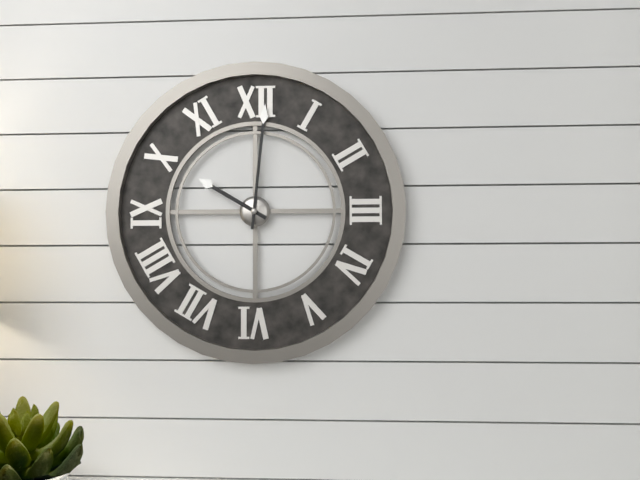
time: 10:01
